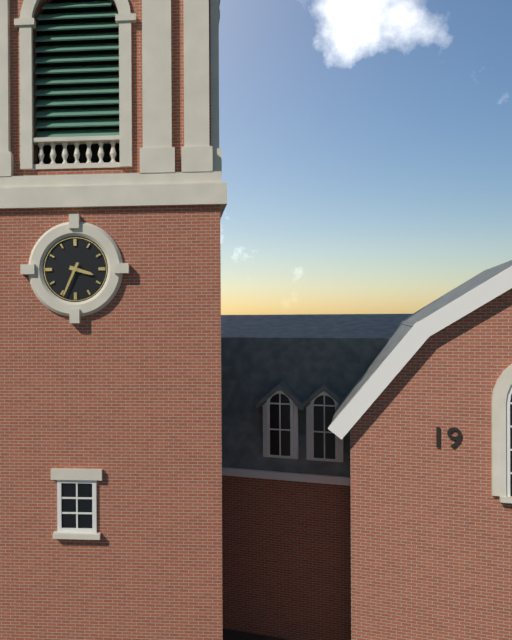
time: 3:34
